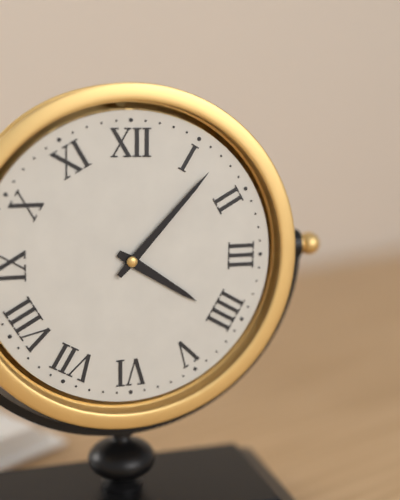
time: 4:07
